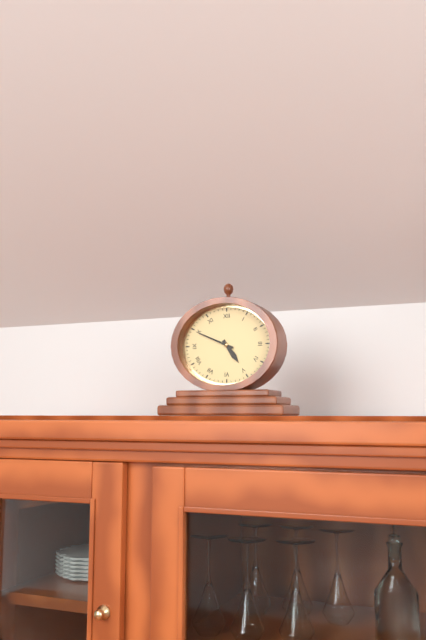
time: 4:49
